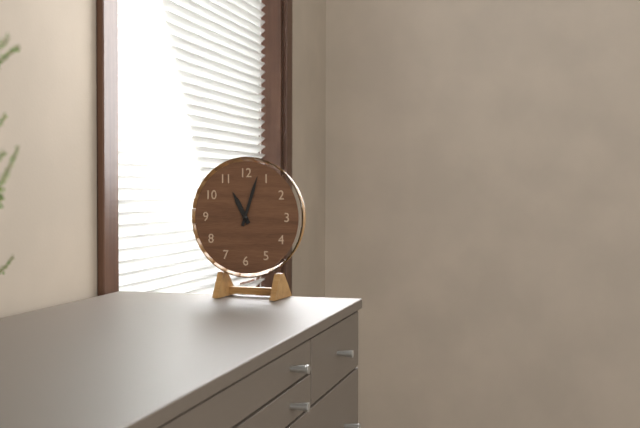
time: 11:03
